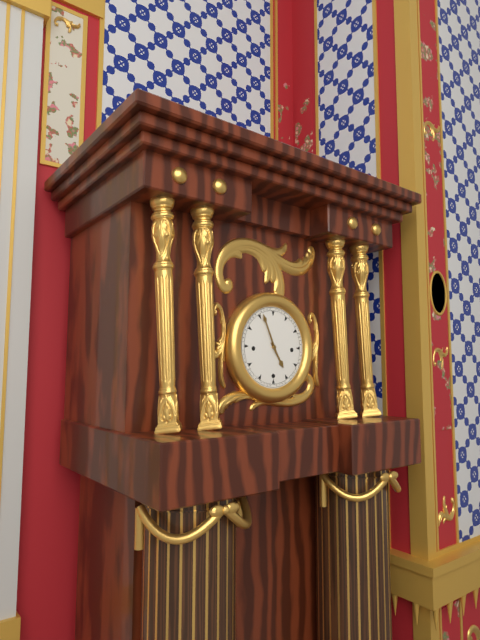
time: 4:56
